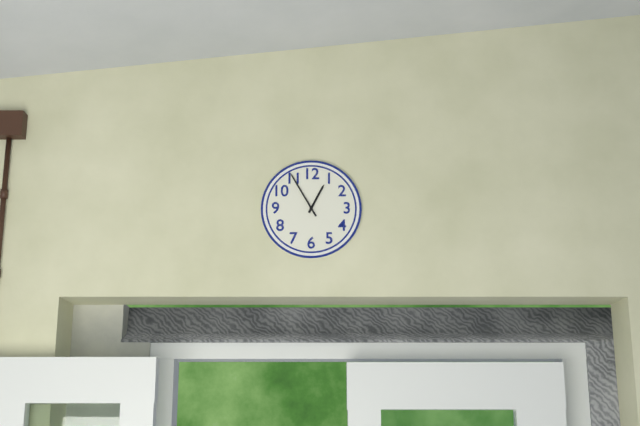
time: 12:55
